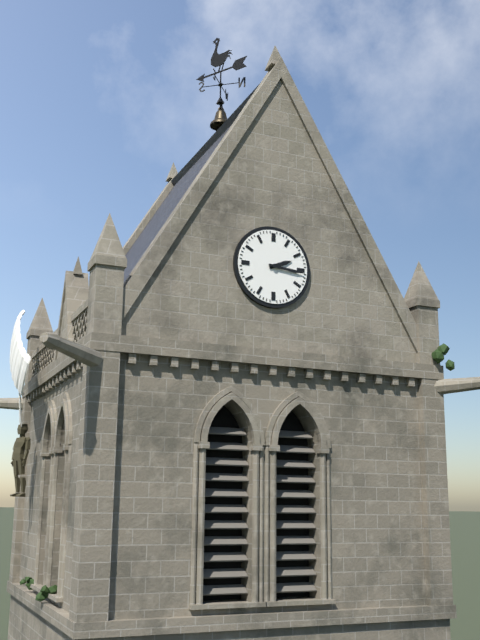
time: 2:16
